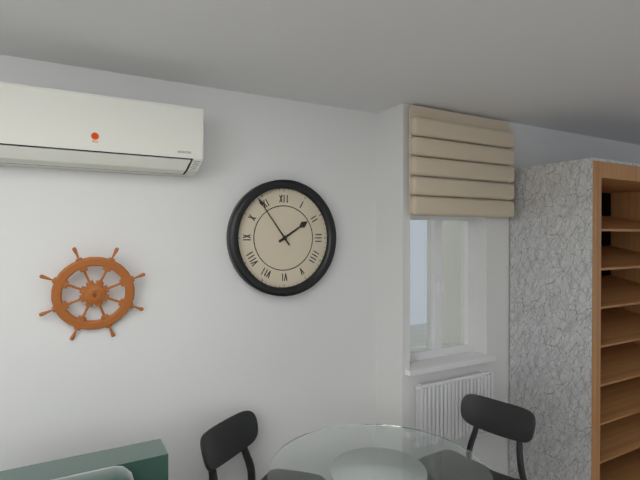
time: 1:54
